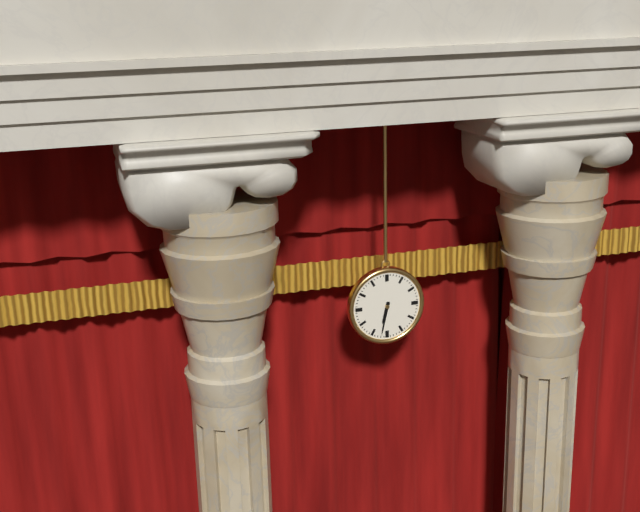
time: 6:32
